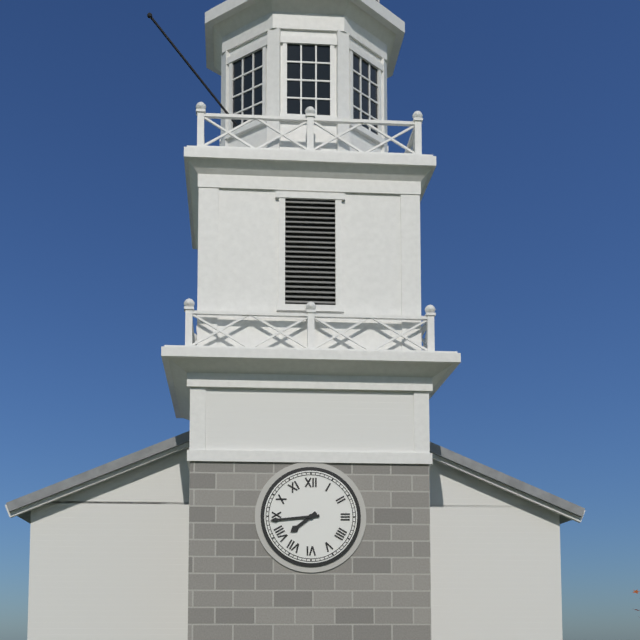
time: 7:44
